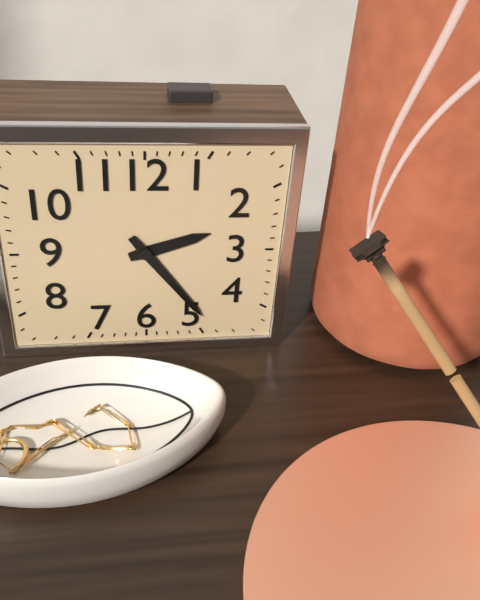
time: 2:24
